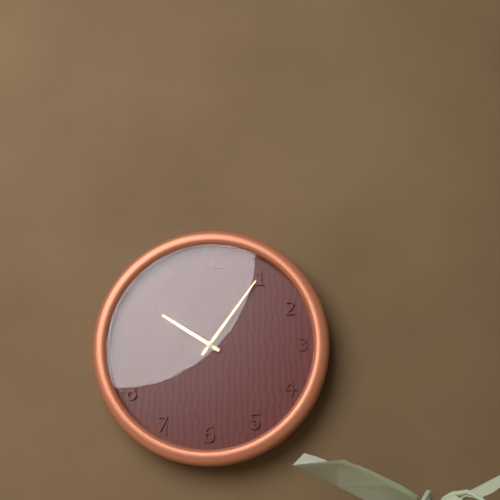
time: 10:06
